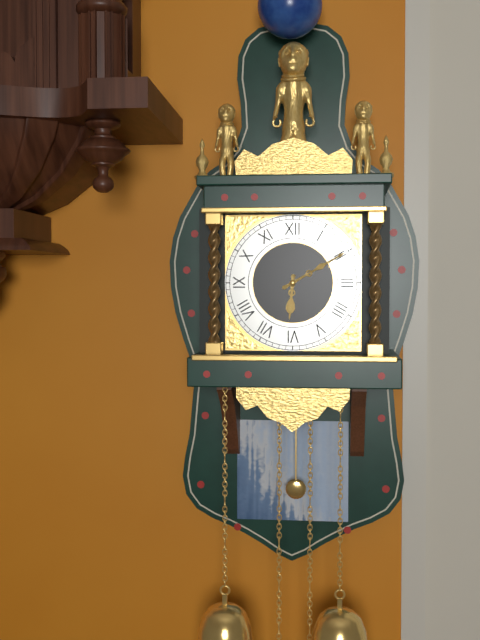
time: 6:10
